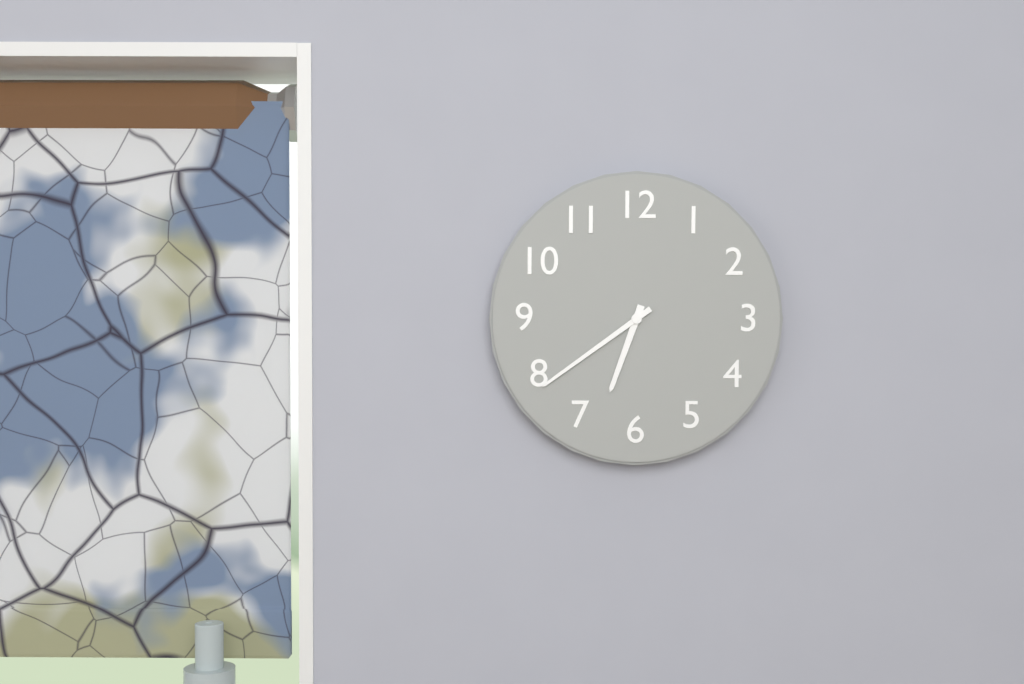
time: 6:39
